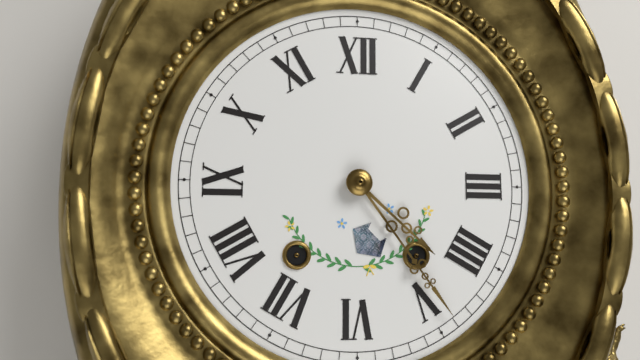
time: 4:24
